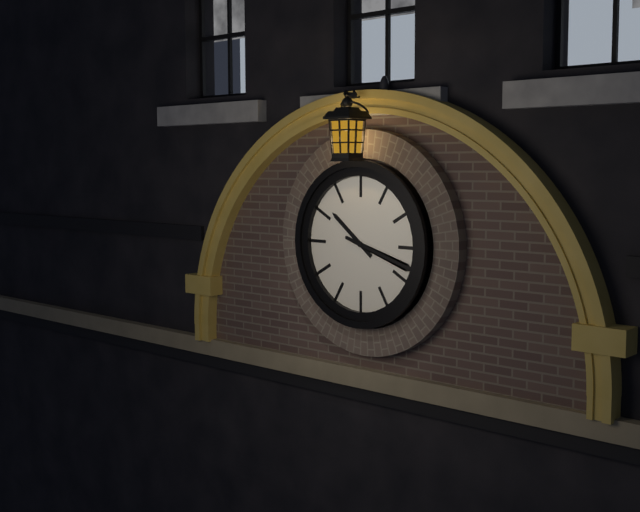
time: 10:18
